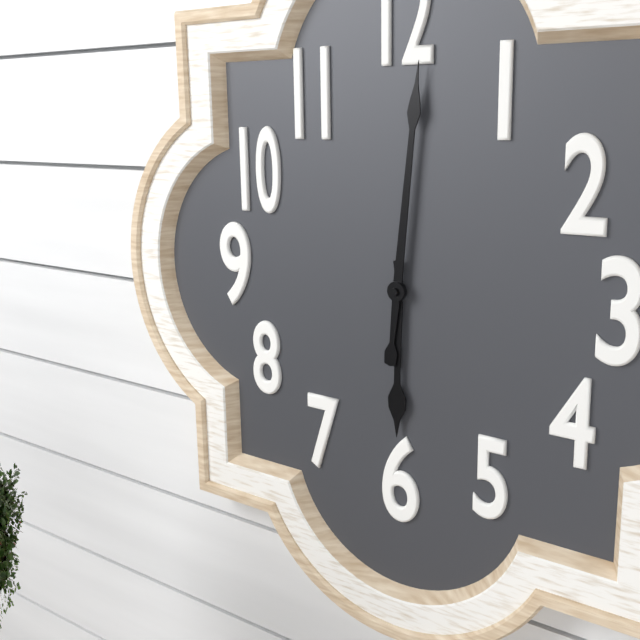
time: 6:01
